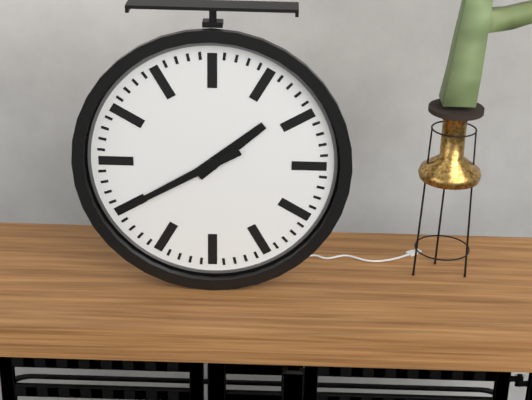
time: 1:40
